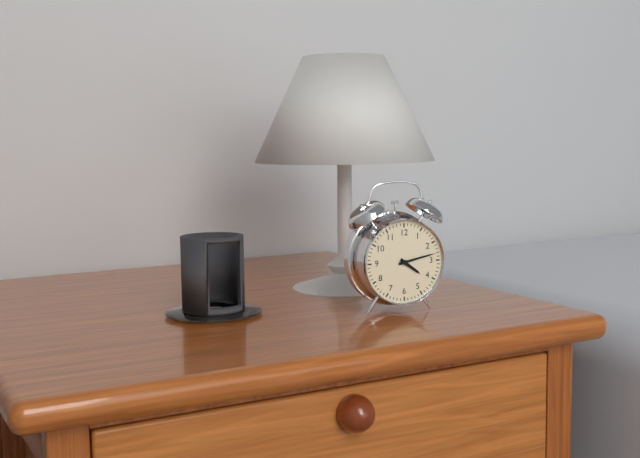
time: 4:13
